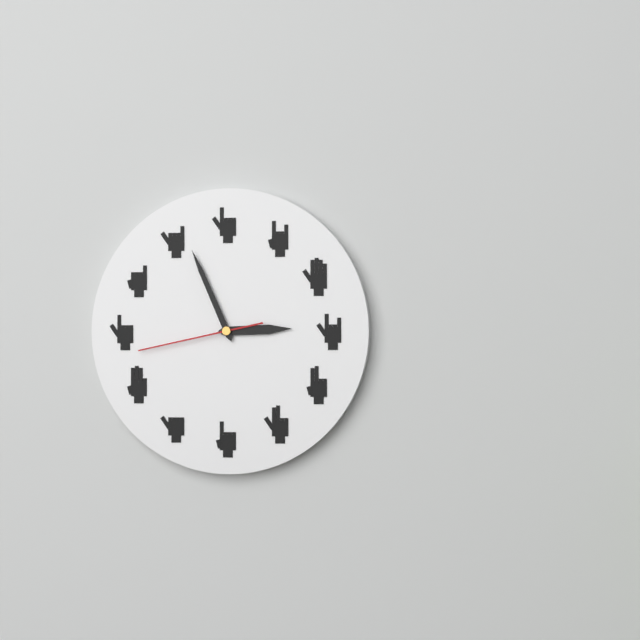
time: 2:56:43
